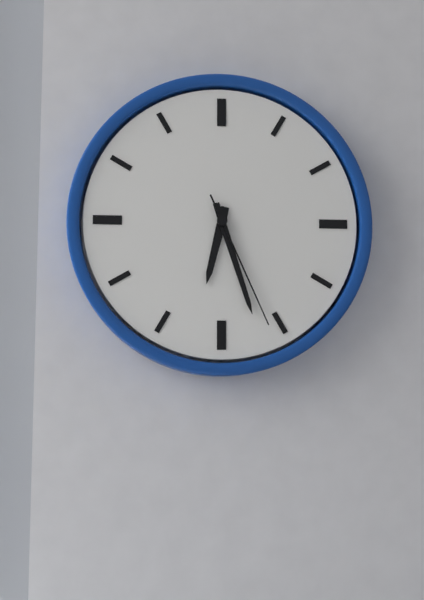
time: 6:27:26
